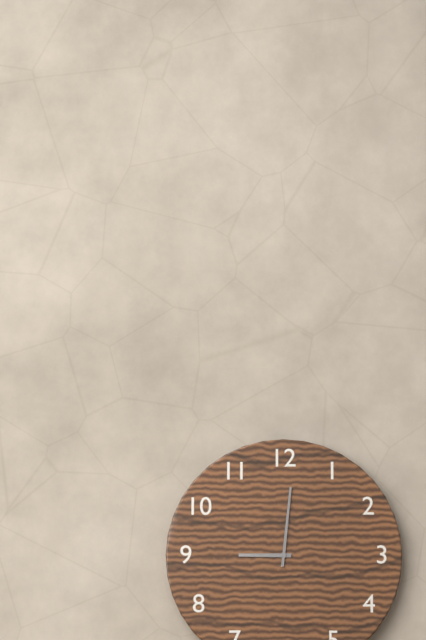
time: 9:01
